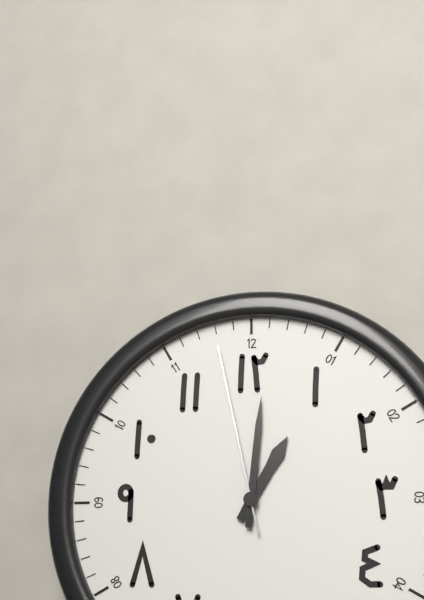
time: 1:01:58
